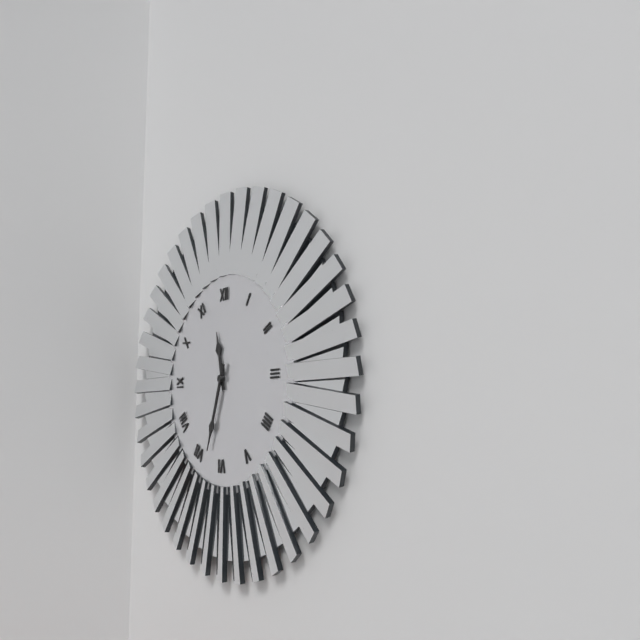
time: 11:33
